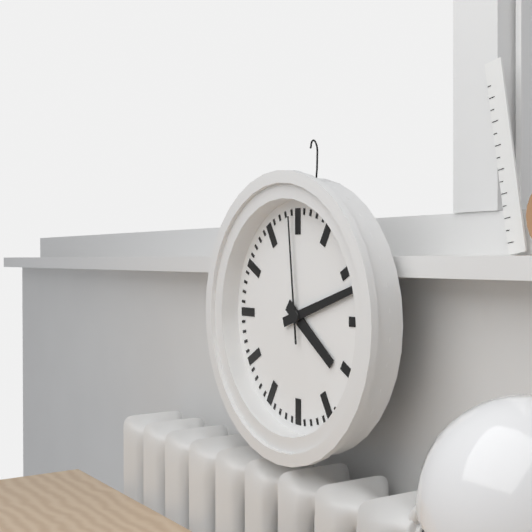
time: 4:12:59
